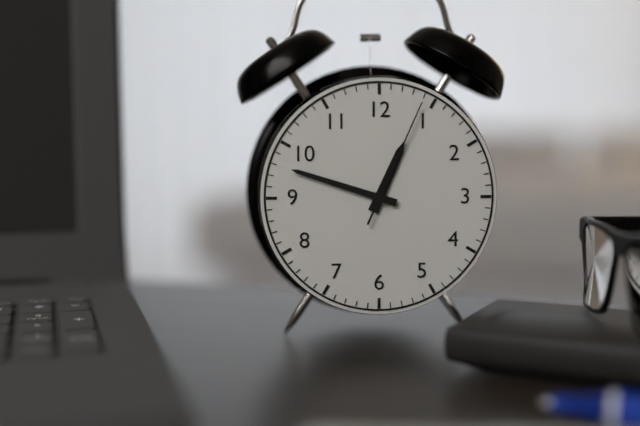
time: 12:48:04
